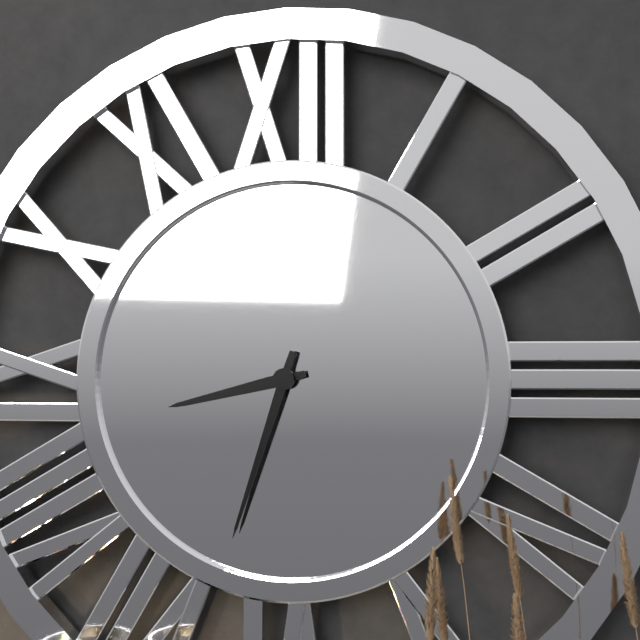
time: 8:33
